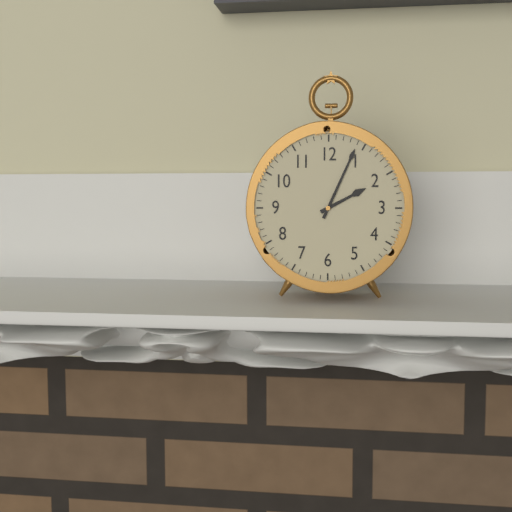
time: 2:04
